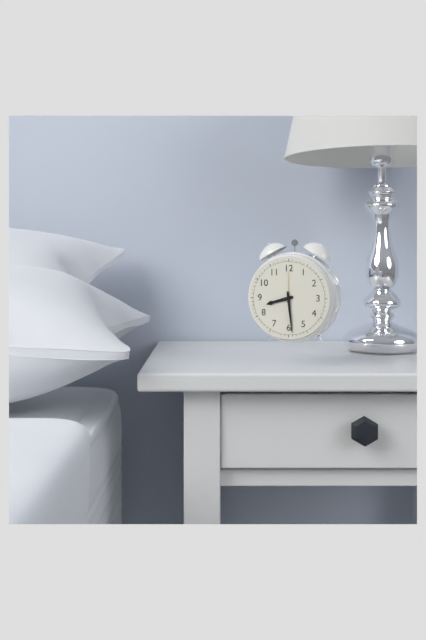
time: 8:29
